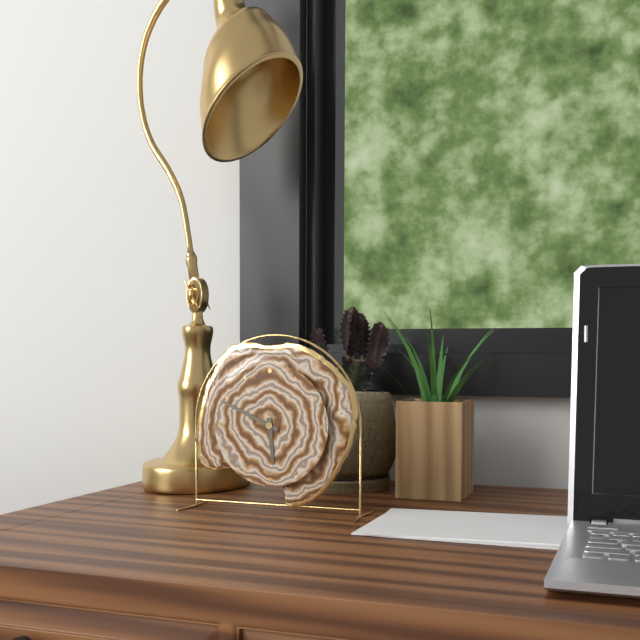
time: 5:49
